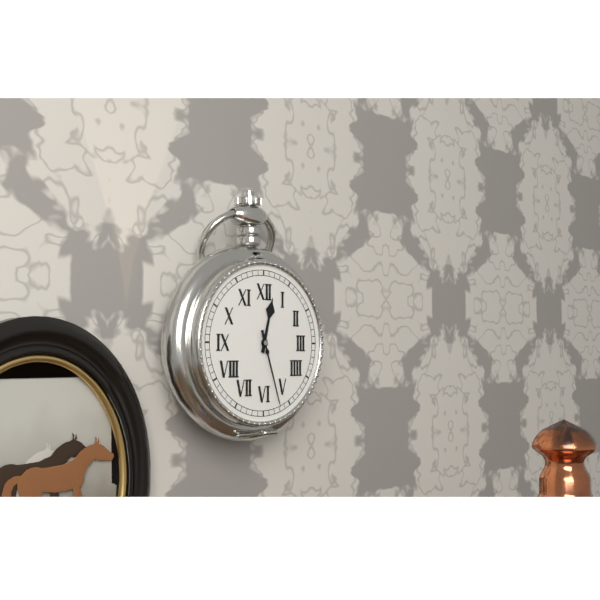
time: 12:27
